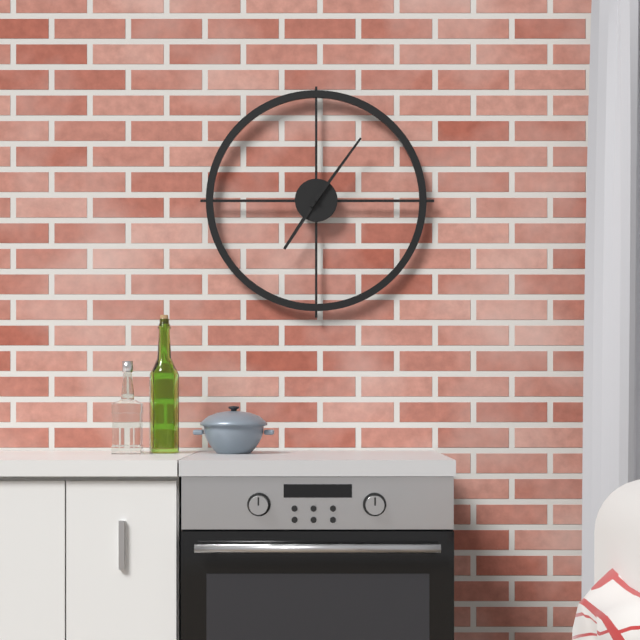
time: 7:06
